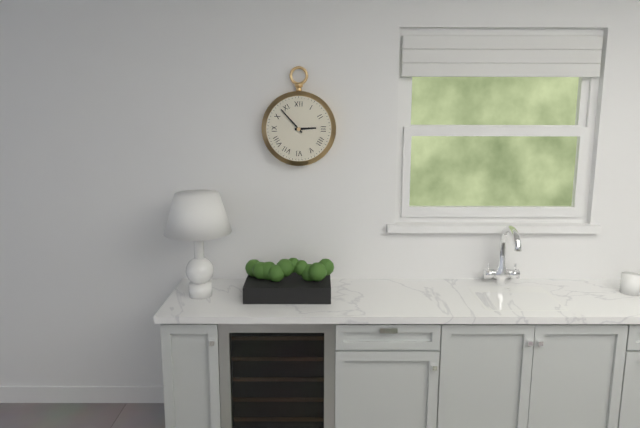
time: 2:53
